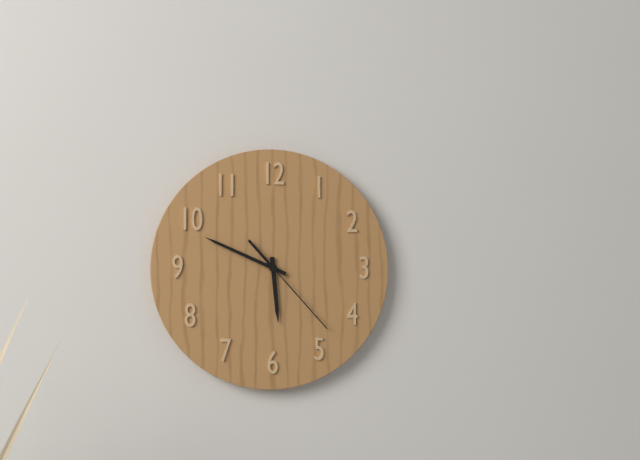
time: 5:49:23
